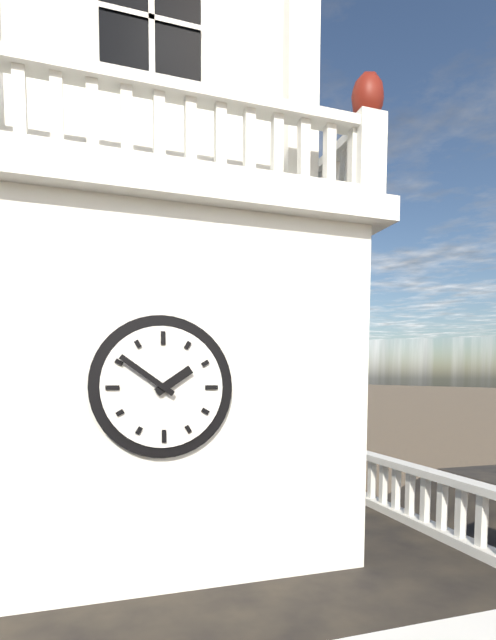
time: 1:51
